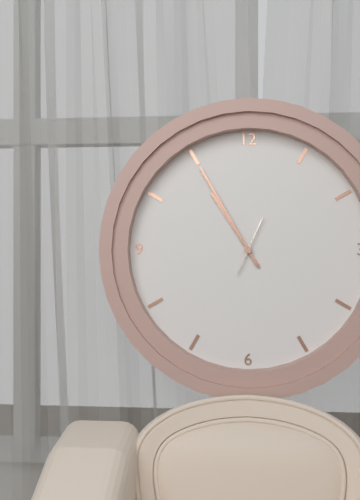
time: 10:55
